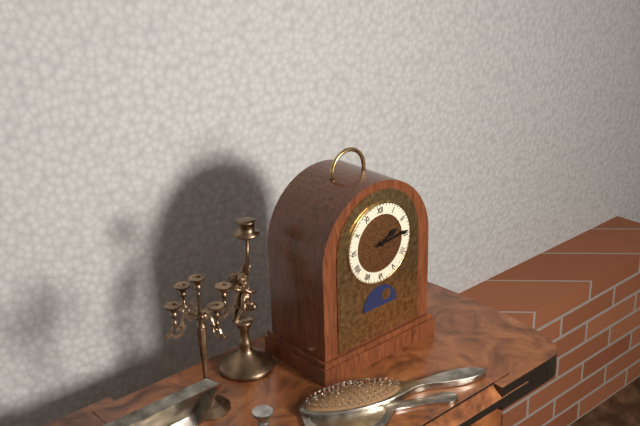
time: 2:14
